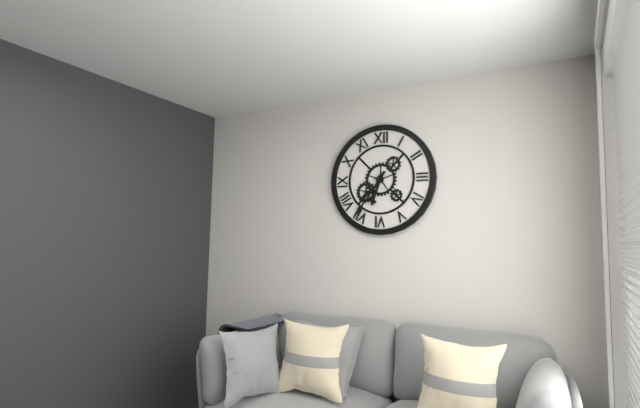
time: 6:36
